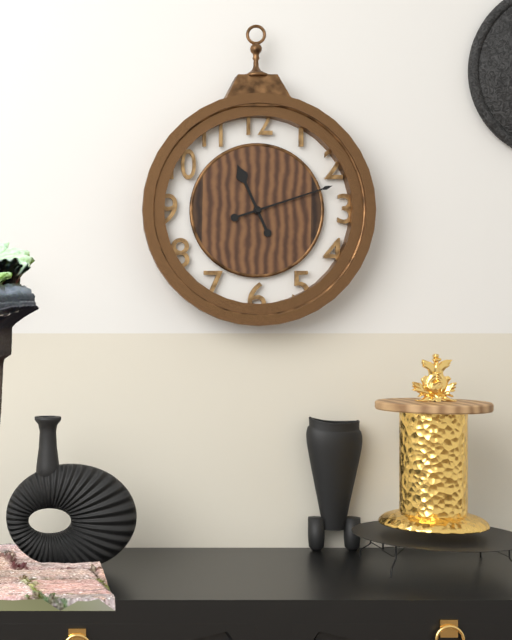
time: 11:12
